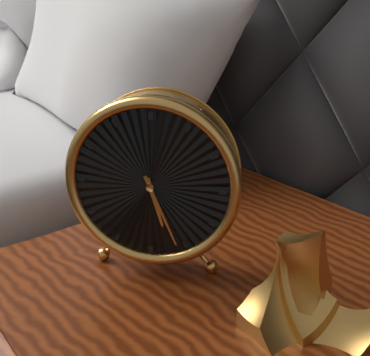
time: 5:26
